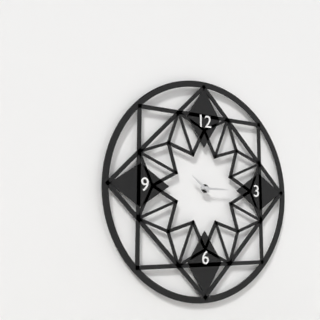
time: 10:15
